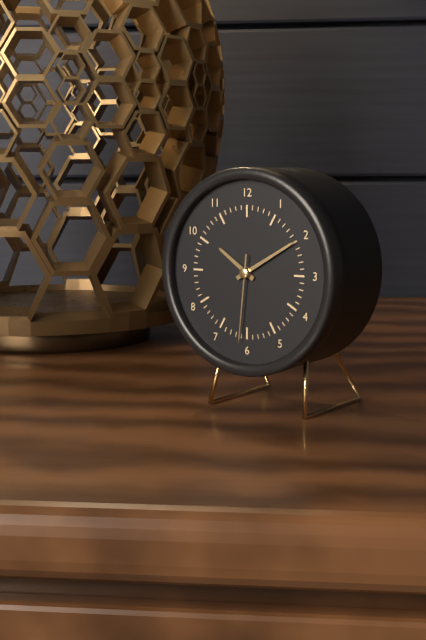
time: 10:10:31
